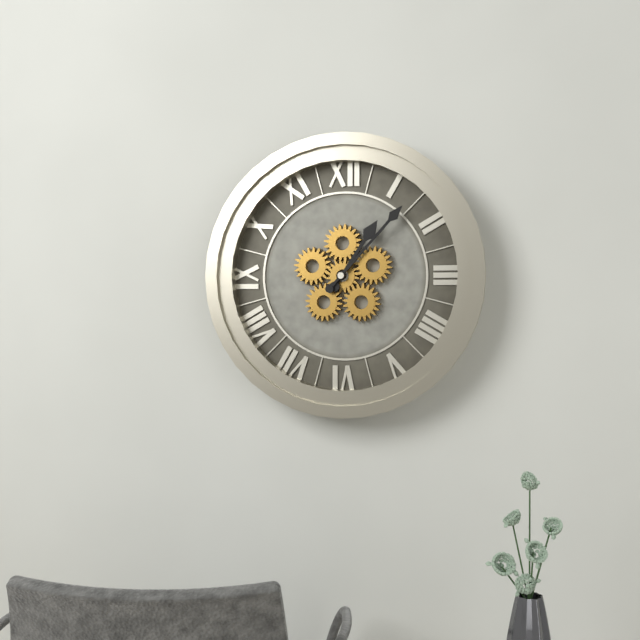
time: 1:07
